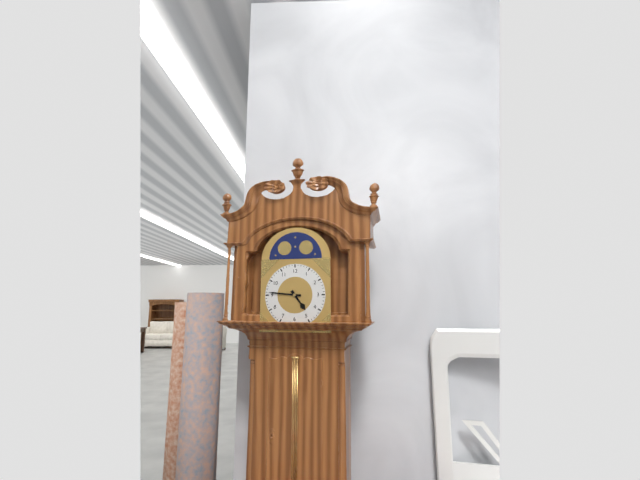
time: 4:46
